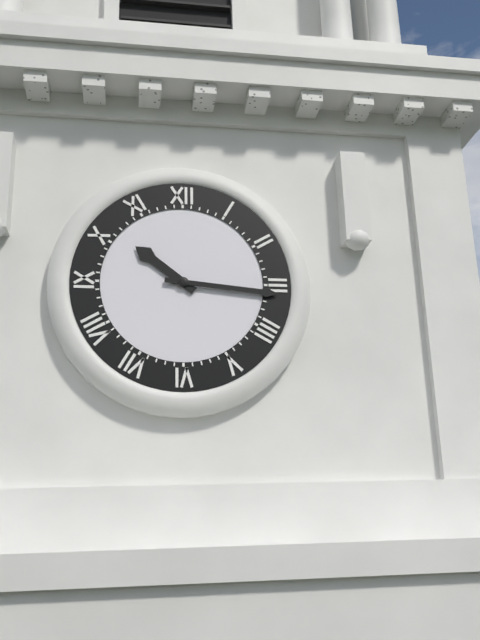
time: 10:16
